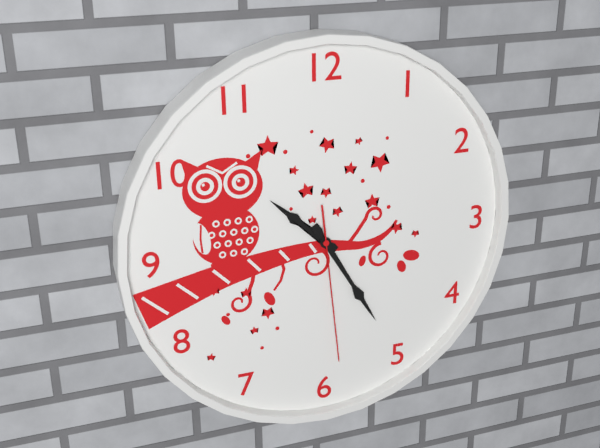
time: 10:25:29
